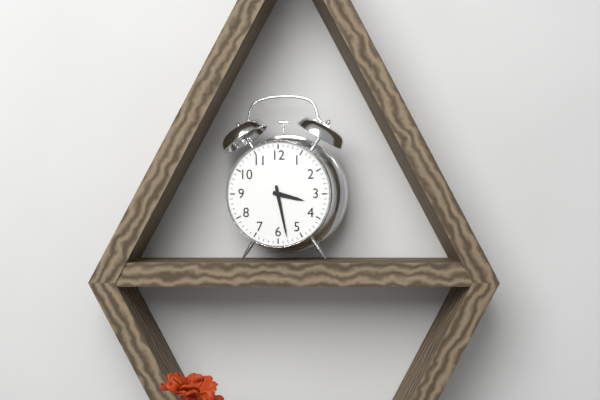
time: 3:28
